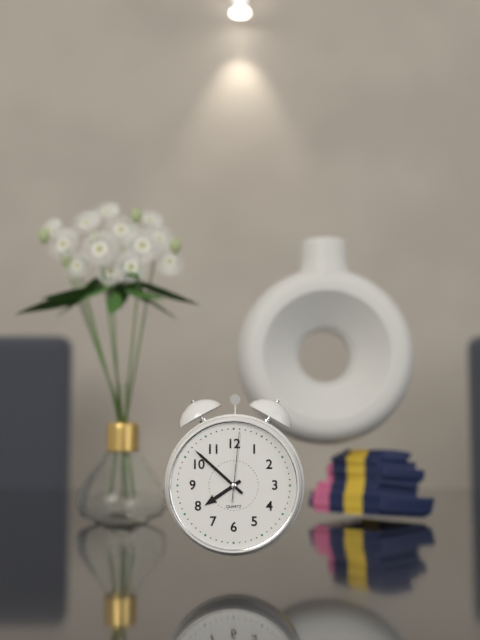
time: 7:52:01
